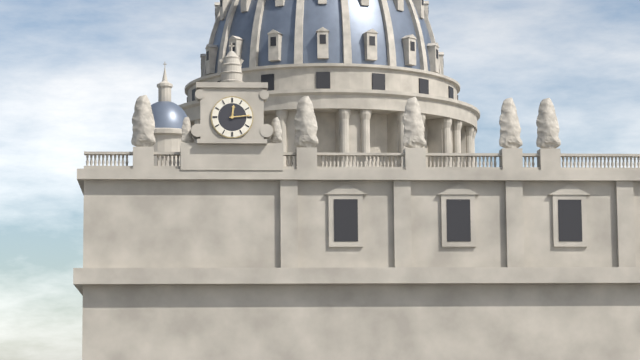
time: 12:14
